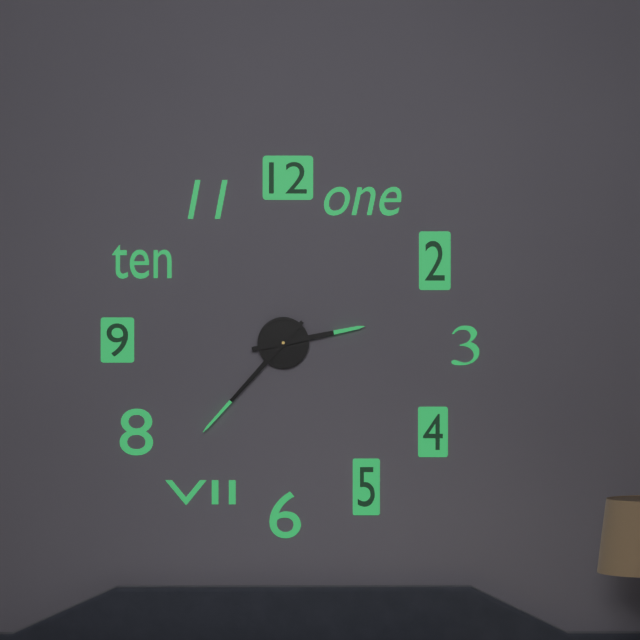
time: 2:37
